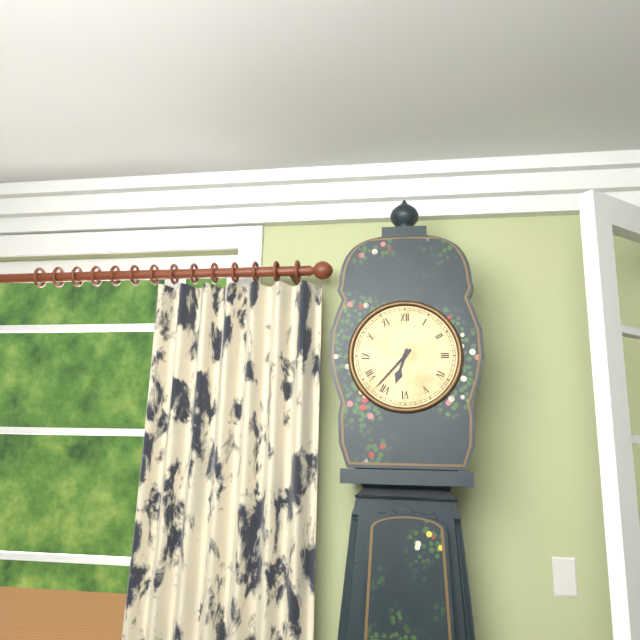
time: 6:37
